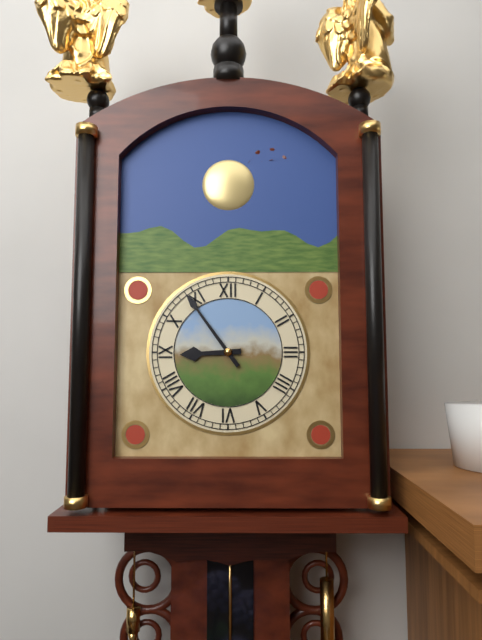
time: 8:54
